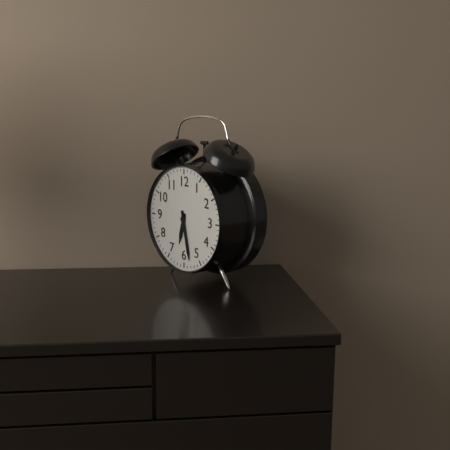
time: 6:28
